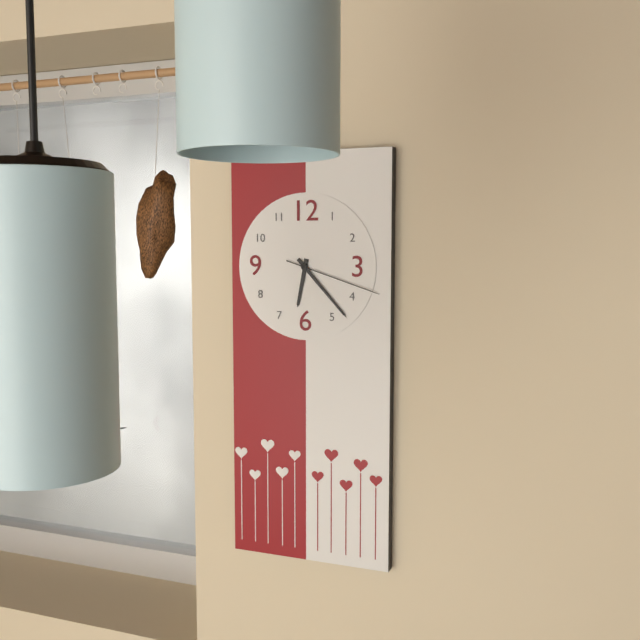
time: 6:23:18
